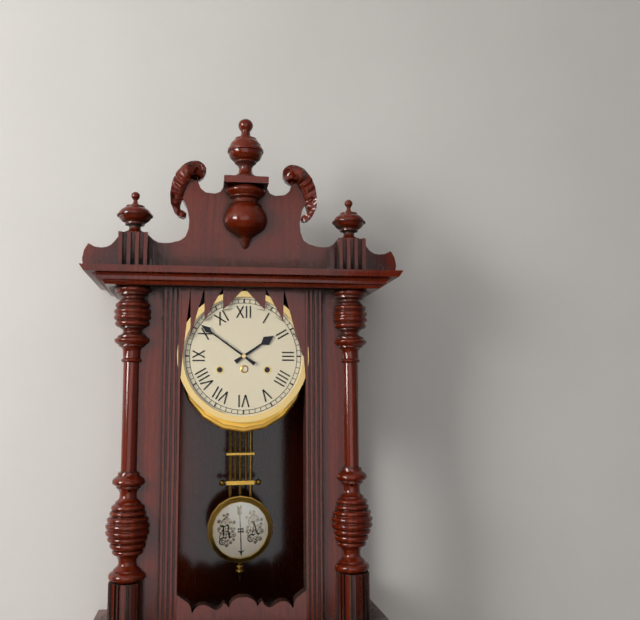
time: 1:51
